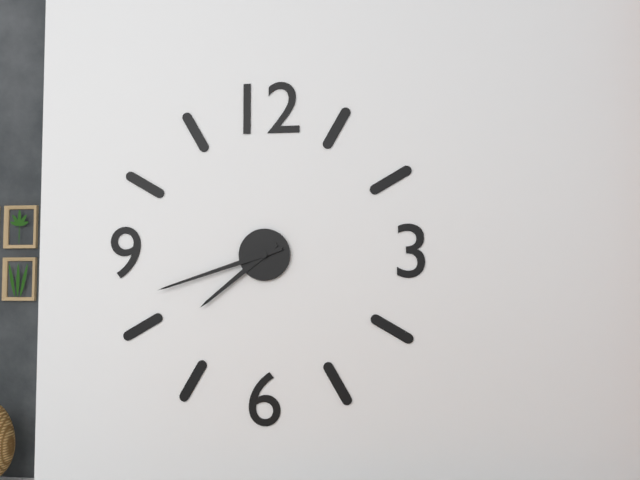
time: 7:42
